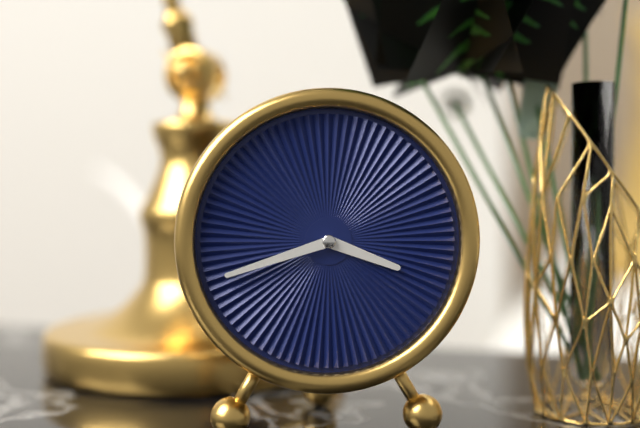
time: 3:42
